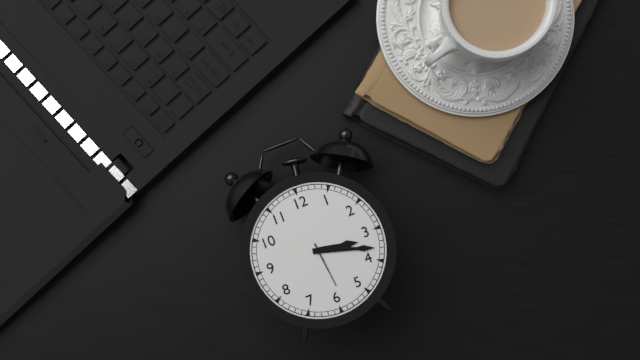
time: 3:18:29
